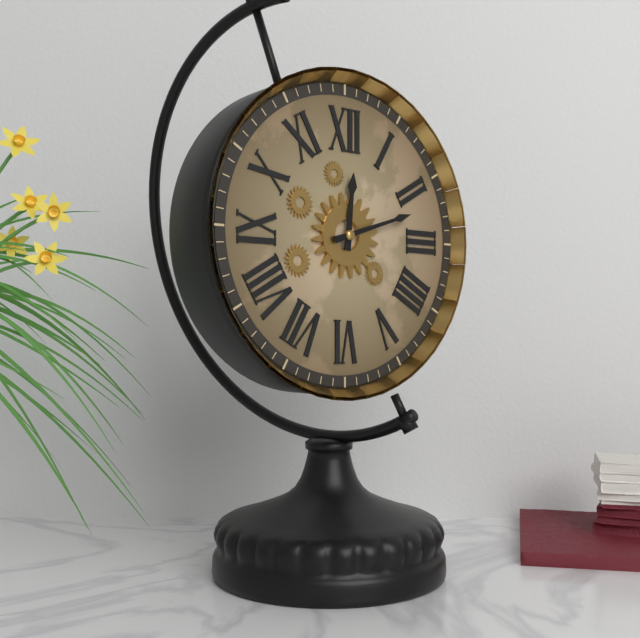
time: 12:12
